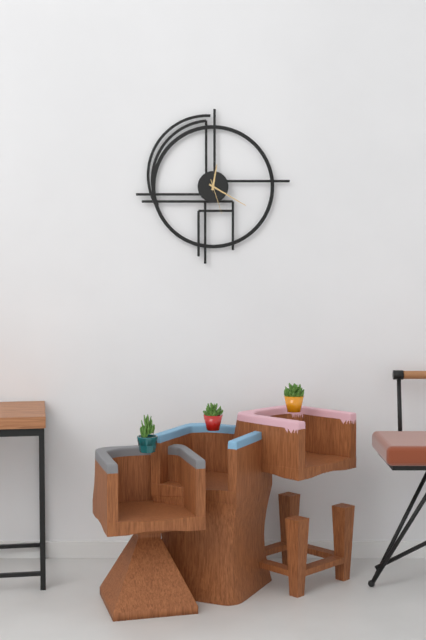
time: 12:20
